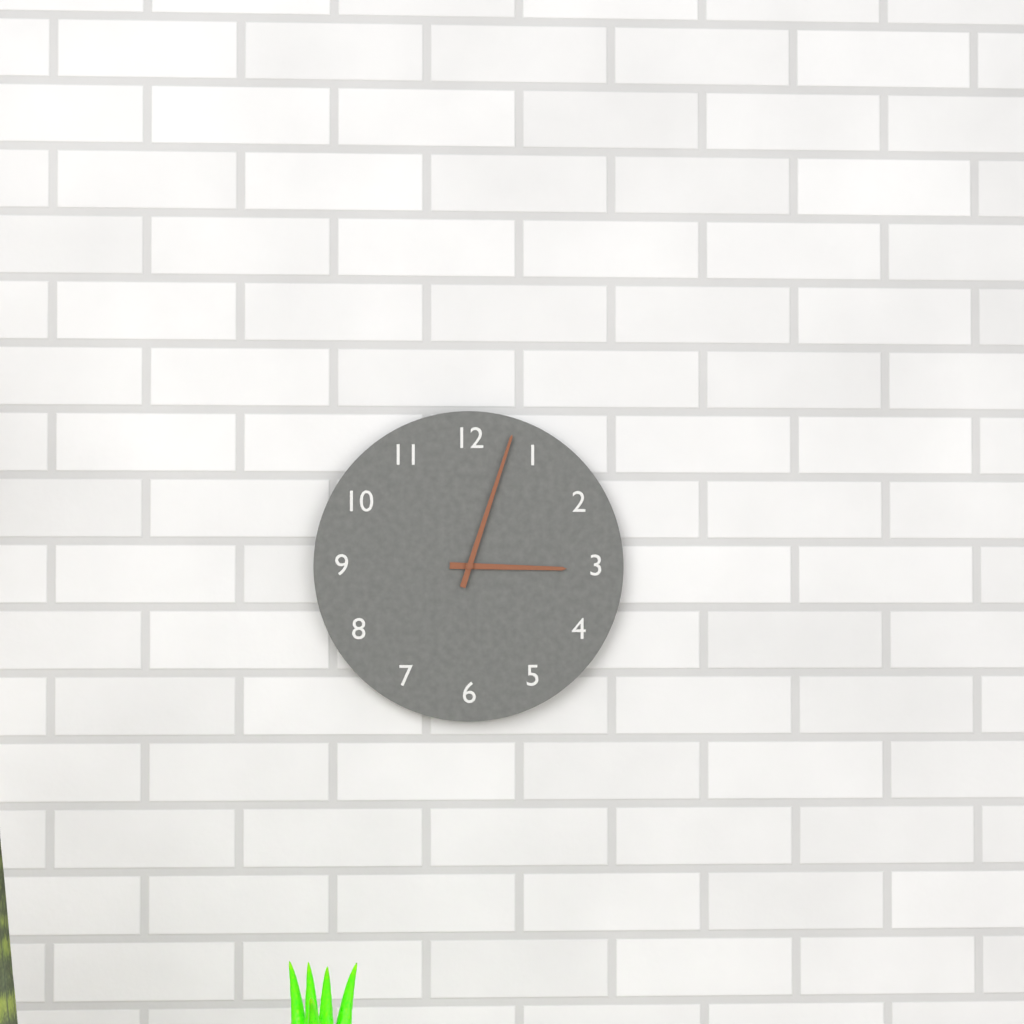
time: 3:03
